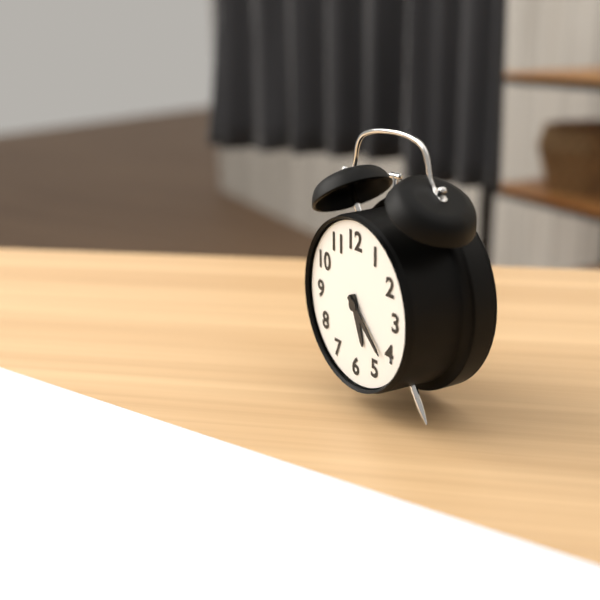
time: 5:22
